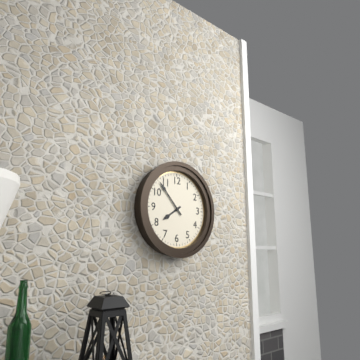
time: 7:53
